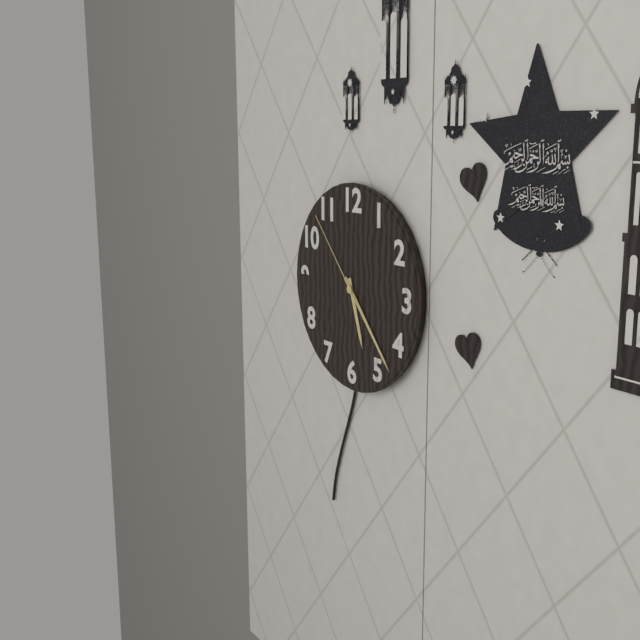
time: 5:23:53
